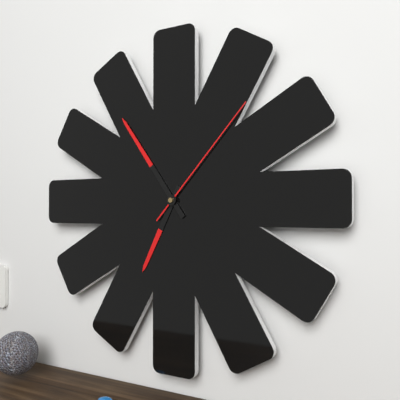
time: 6:54:07
